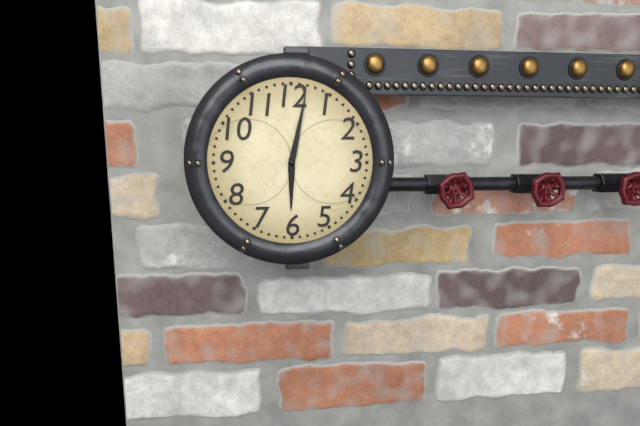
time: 6:02
